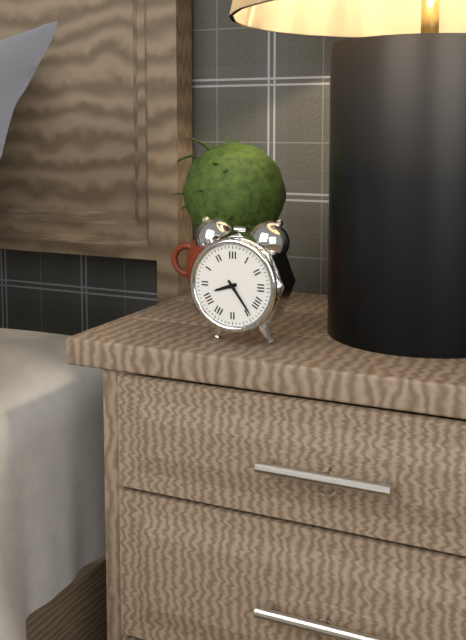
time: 8:24
